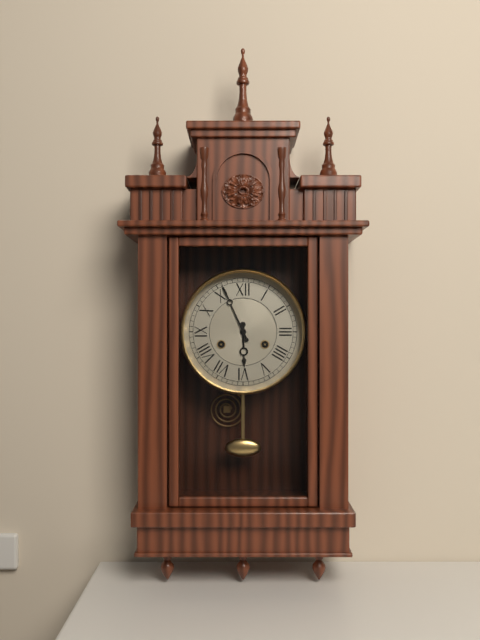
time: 5:56
